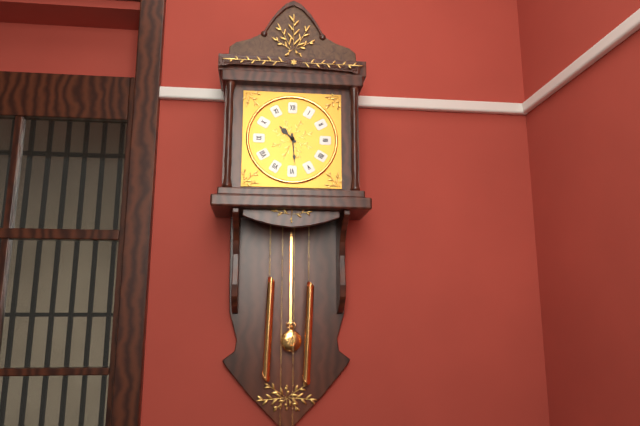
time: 10:29
